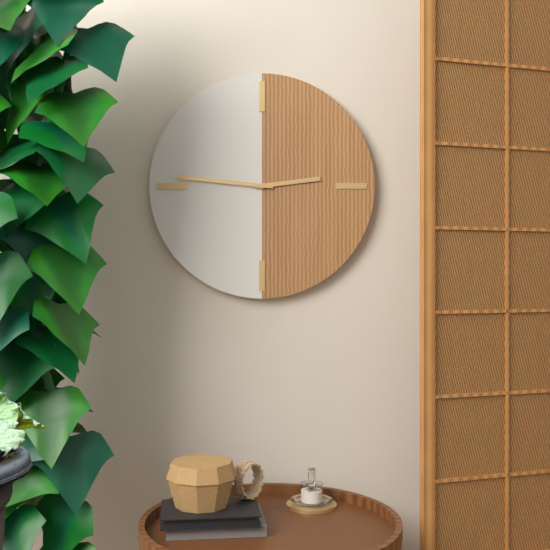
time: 2:46
